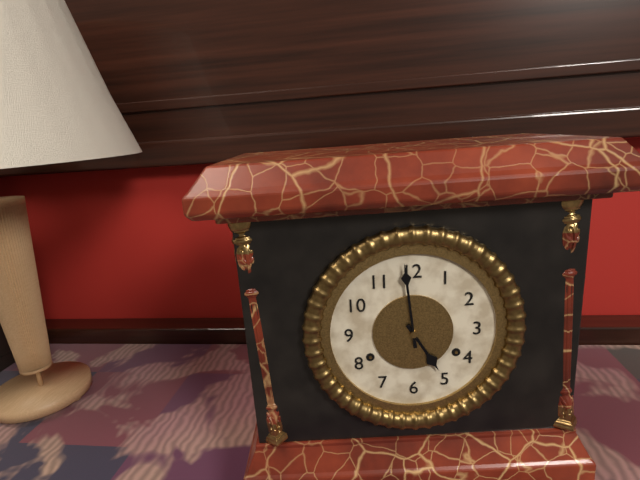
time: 4:59
